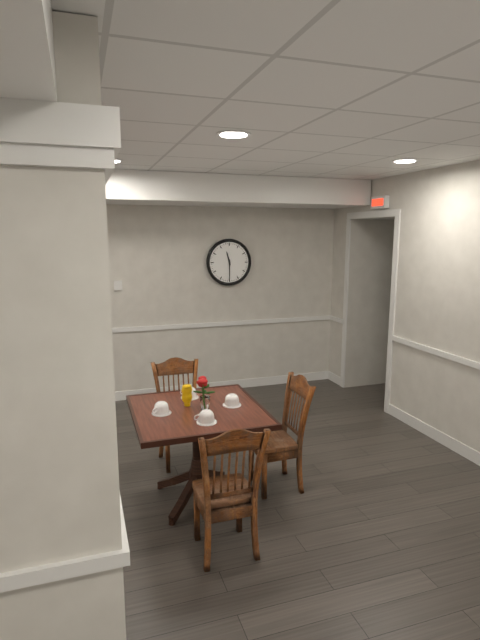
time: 11:30
